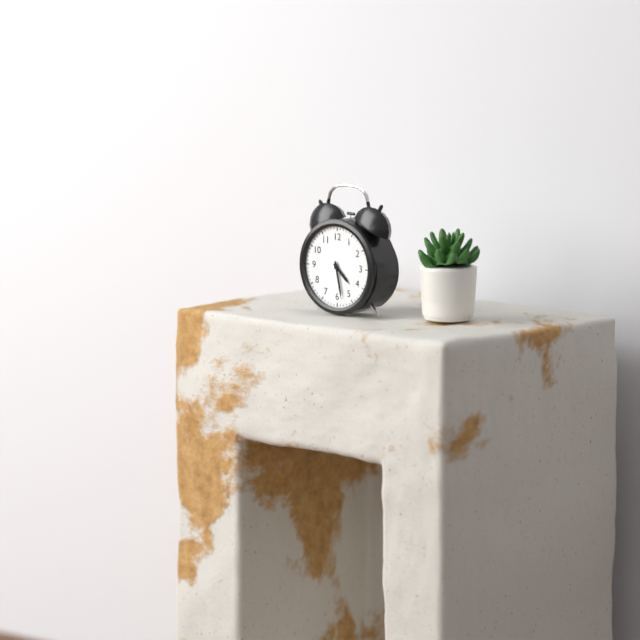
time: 4:28
